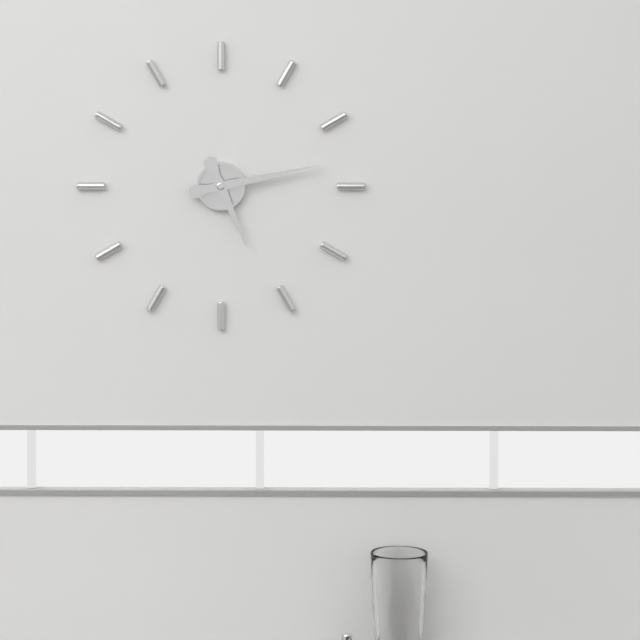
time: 5:13
